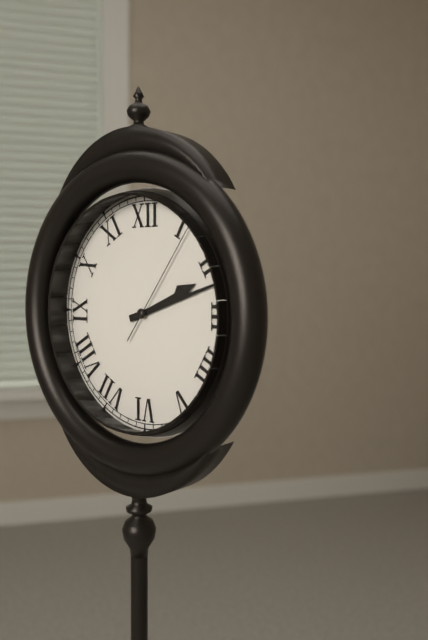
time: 2:12:06
